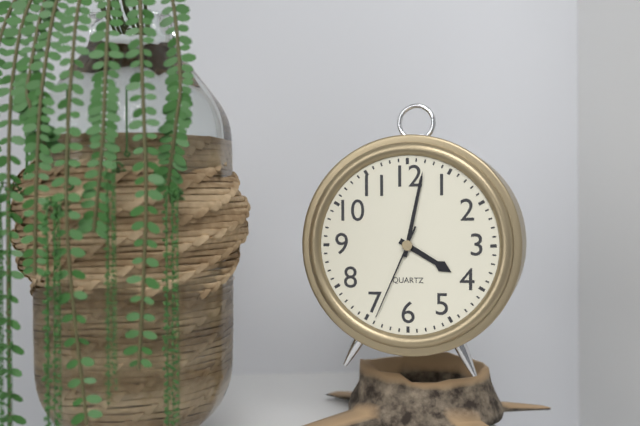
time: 4:02:34
